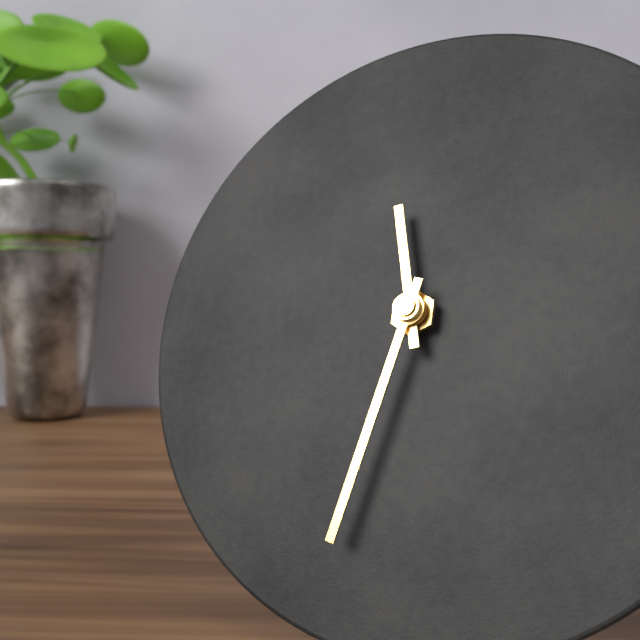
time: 11:32
